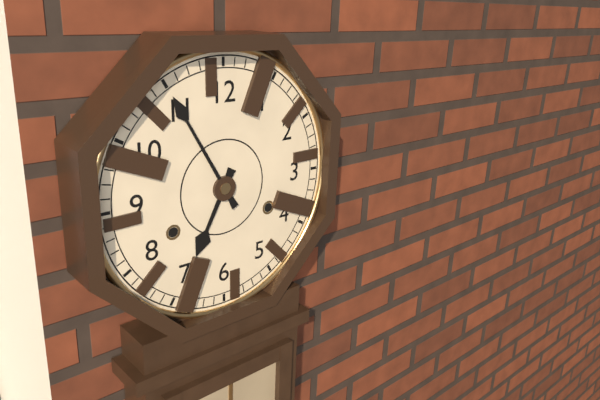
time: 6:55
